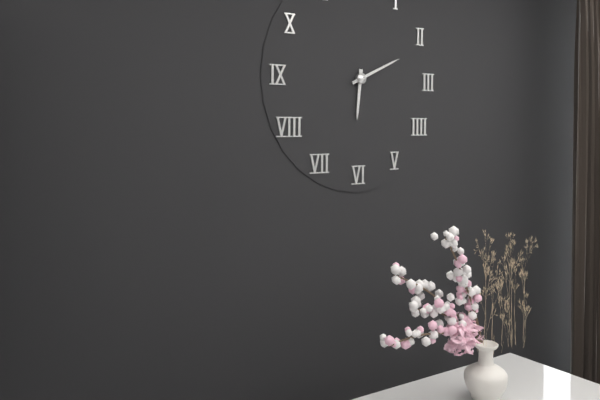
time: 6:11
